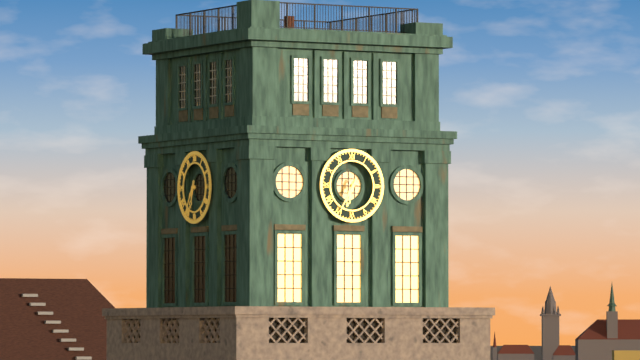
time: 6:35
